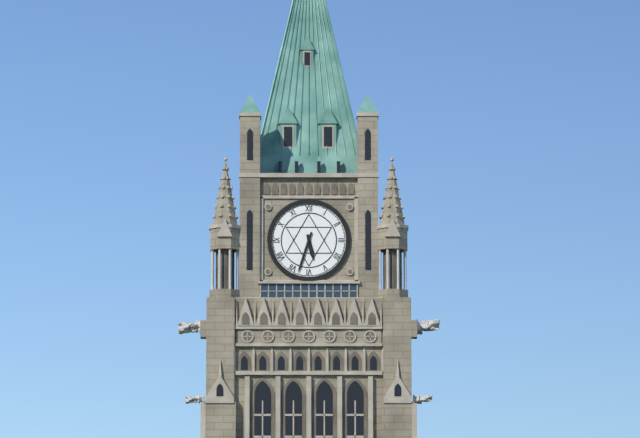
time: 5:33
